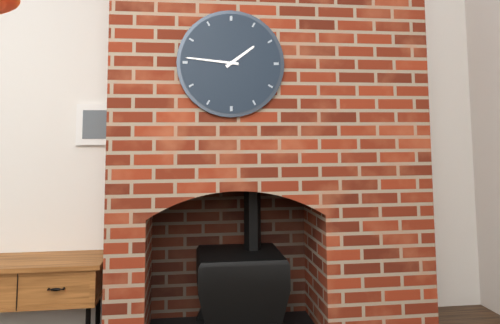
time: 1:46
